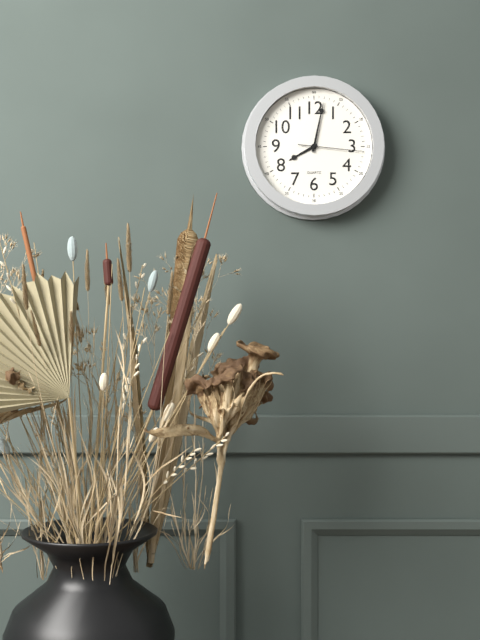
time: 8:02:16
